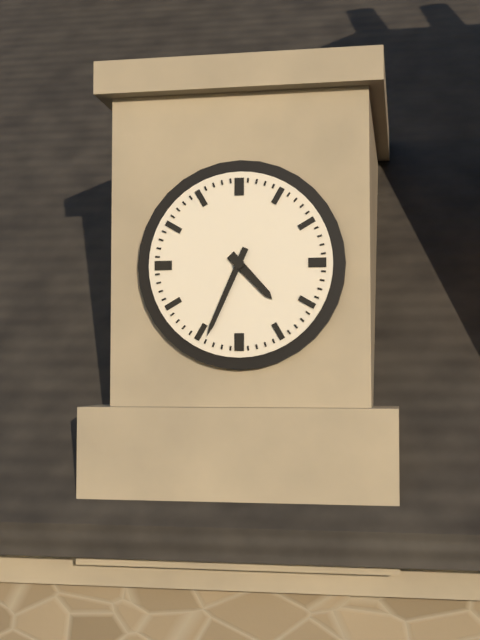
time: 4:34
